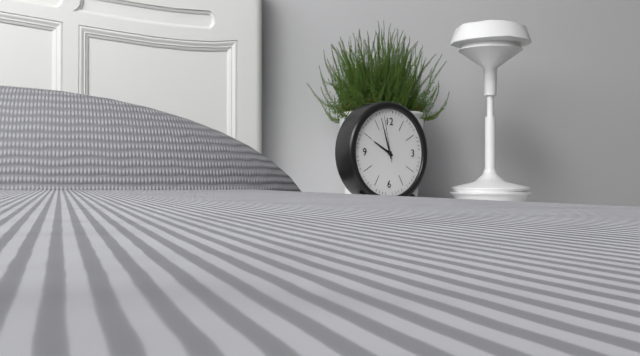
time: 9:57
